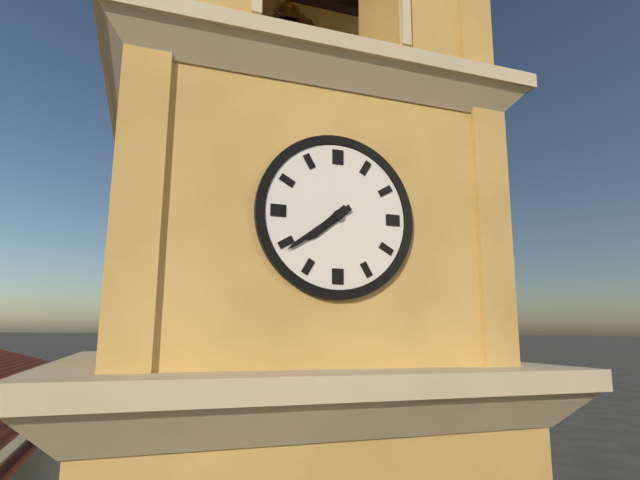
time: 7:39
